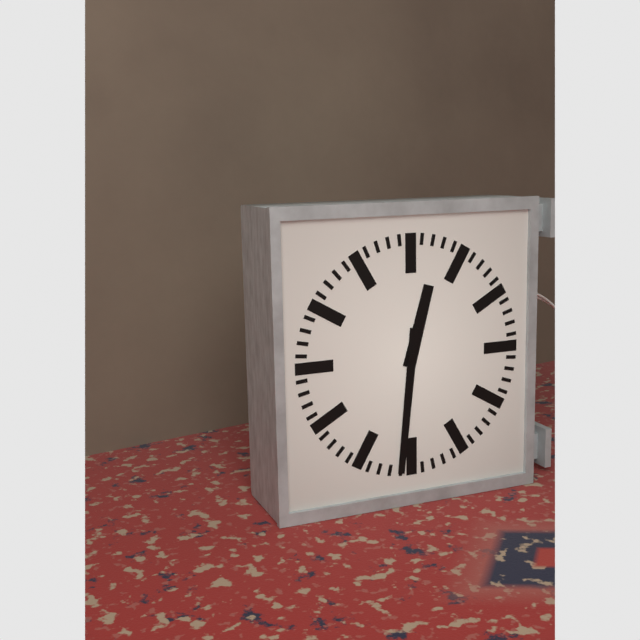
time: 12:31
